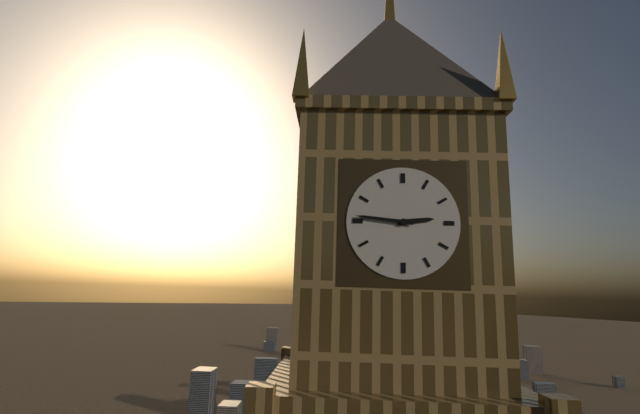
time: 2:46
